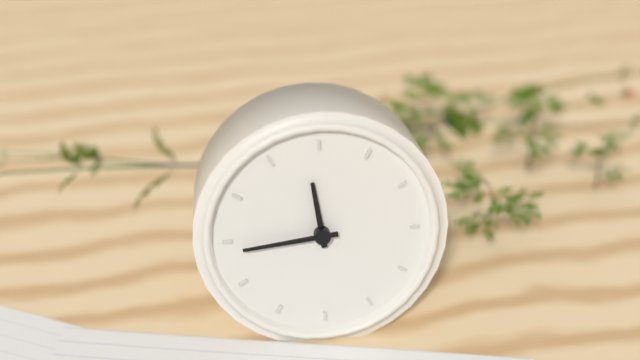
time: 11:44
